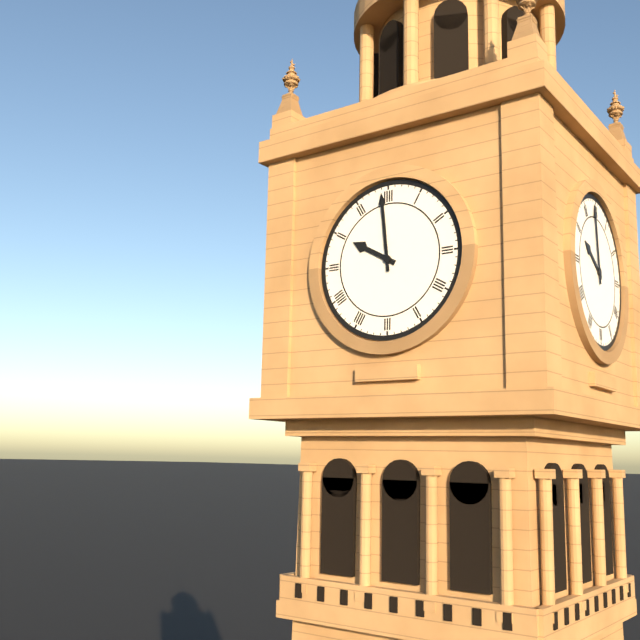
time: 9:59
